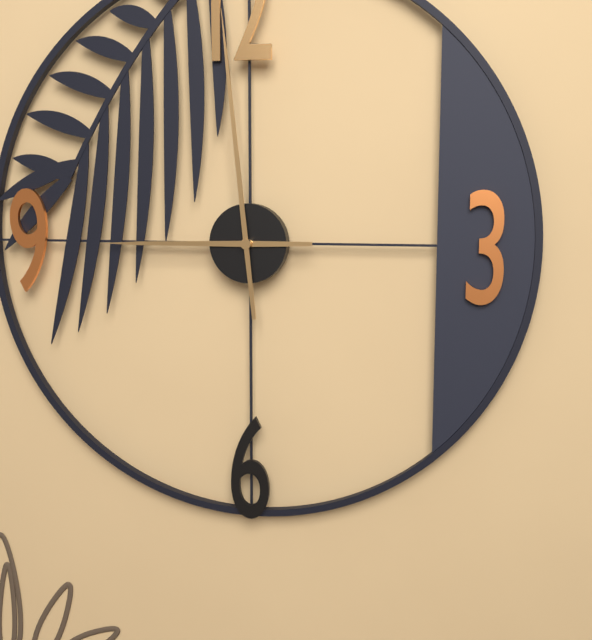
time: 8:59
